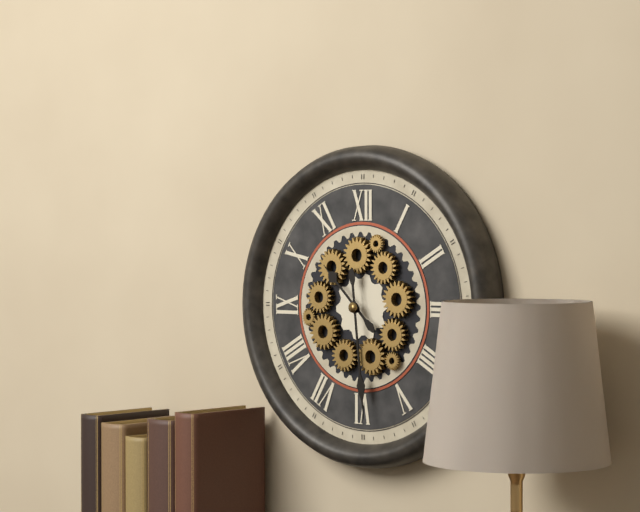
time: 10:29
